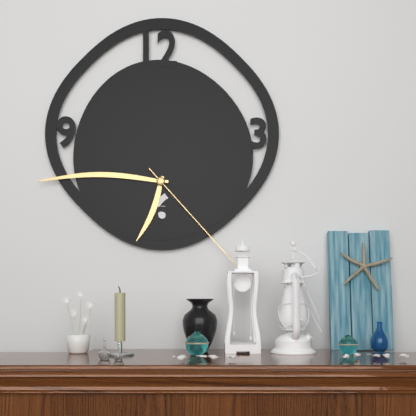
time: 6:45:23
